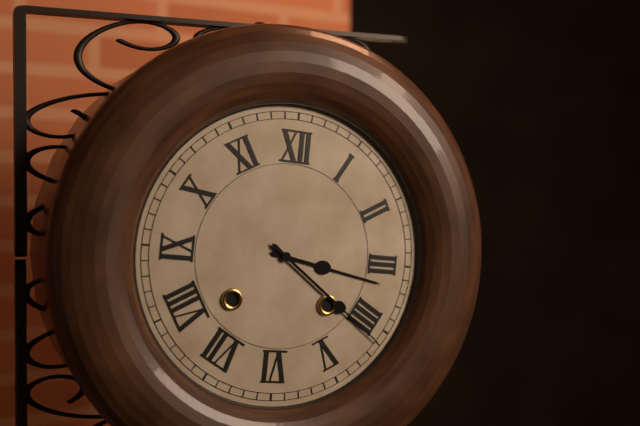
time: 3:21
